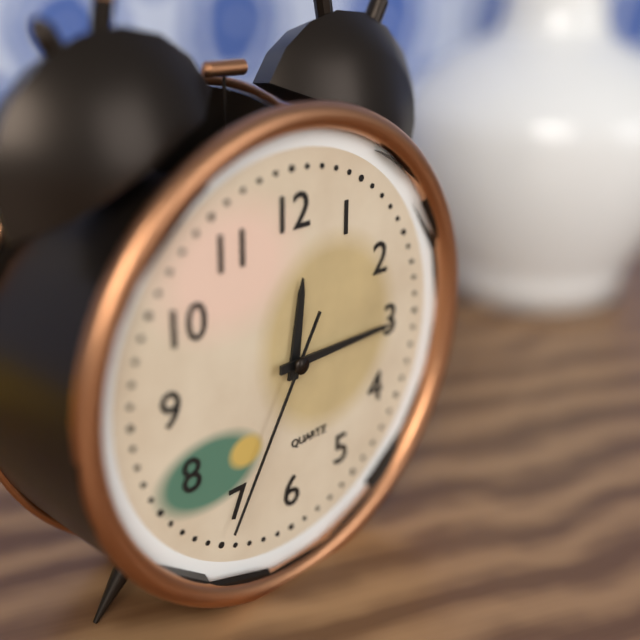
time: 12:15:35
